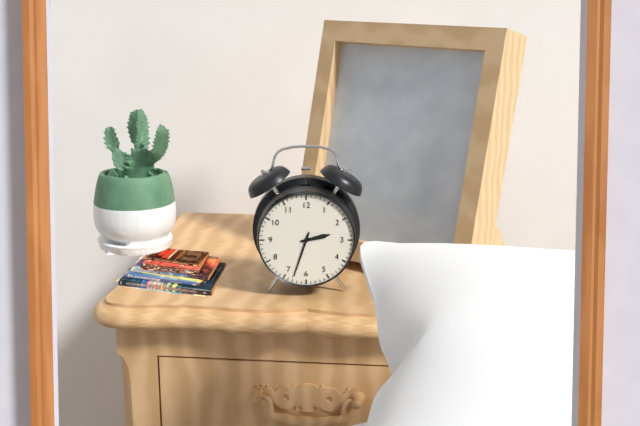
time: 2:33
